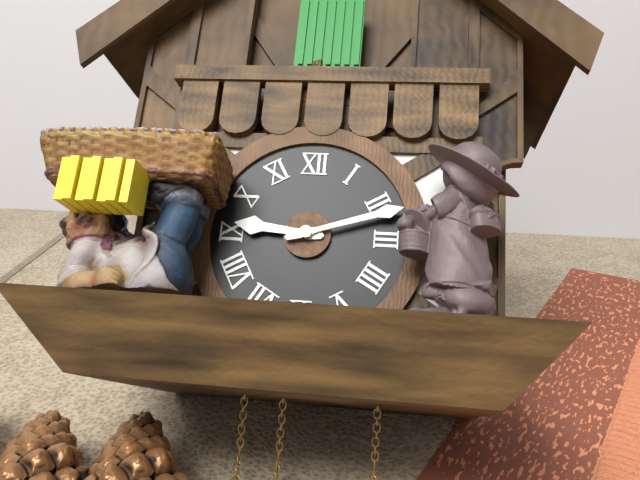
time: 9:12
